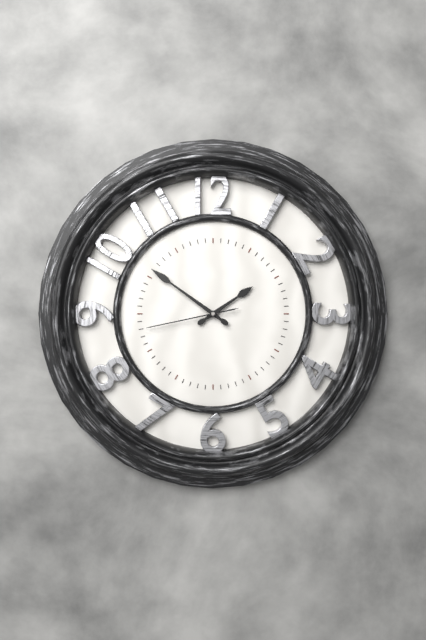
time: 1:51:43
